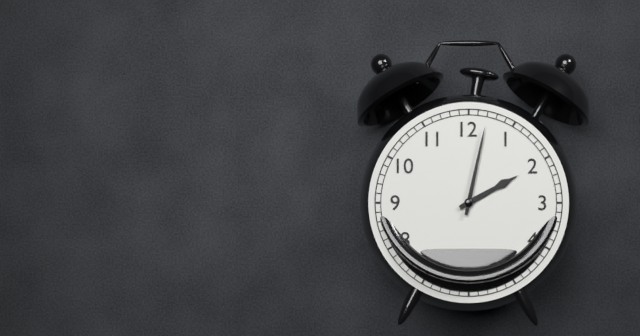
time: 2:02
